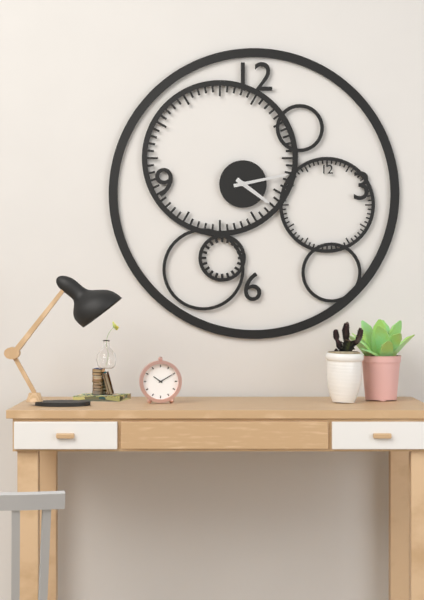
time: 4:13
